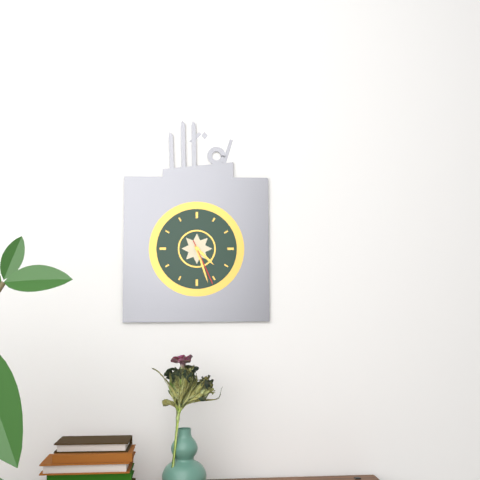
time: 4:27
